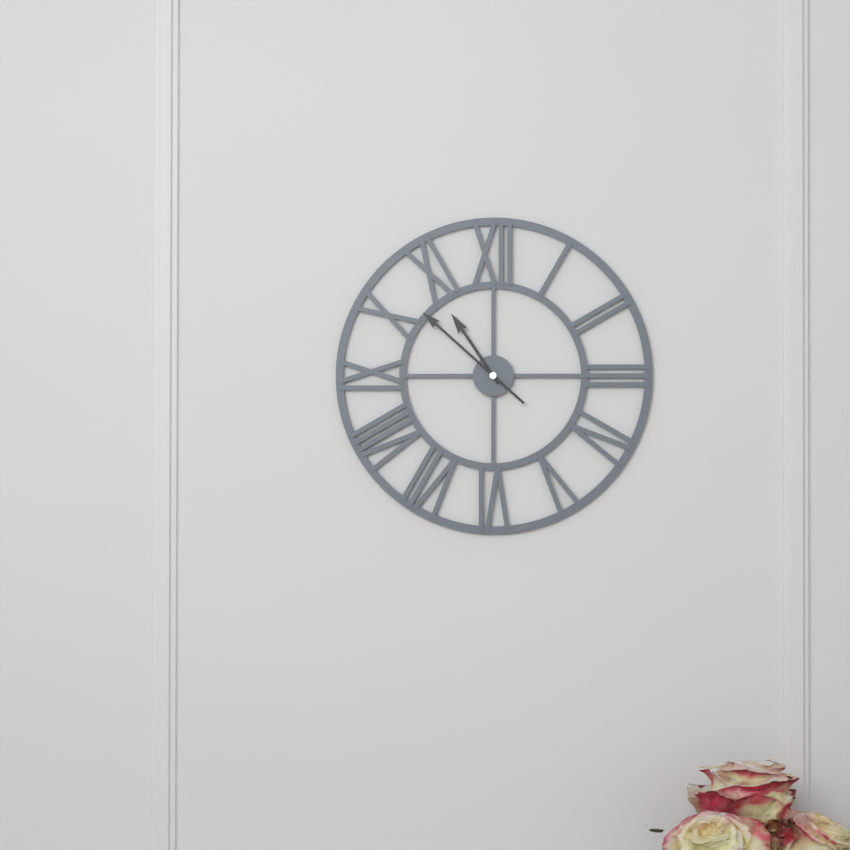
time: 10:52
